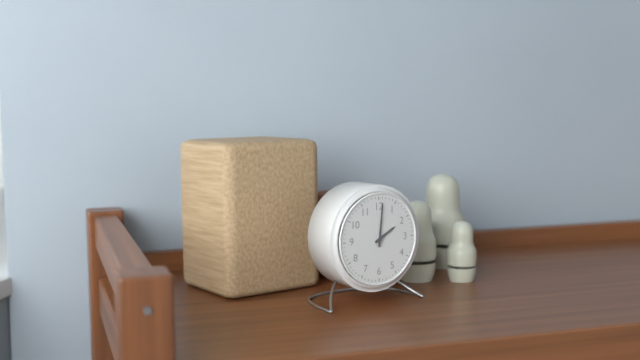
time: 2:01
